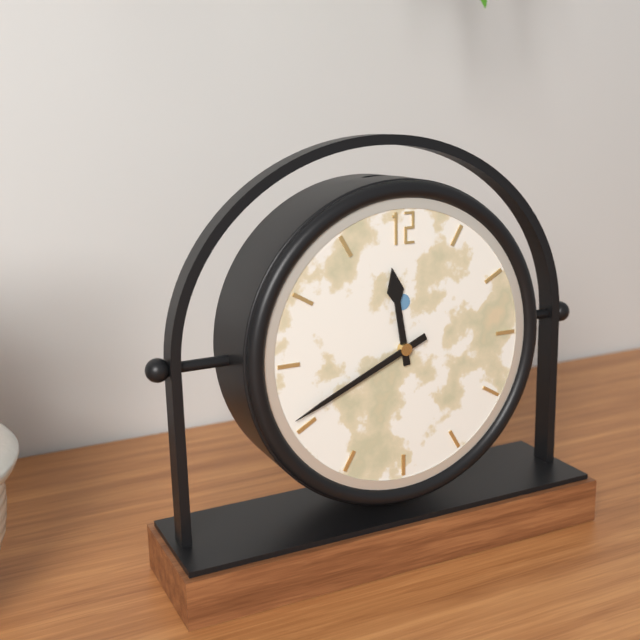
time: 11:41
